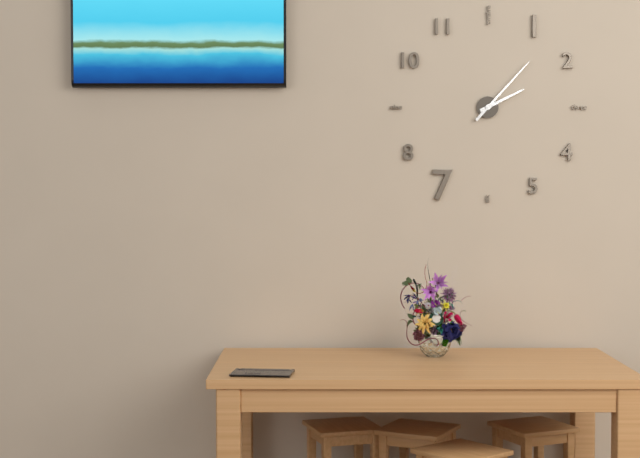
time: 2:07
